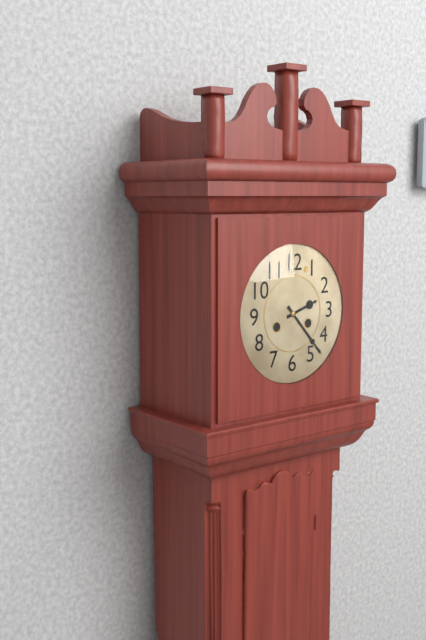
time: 2:23
